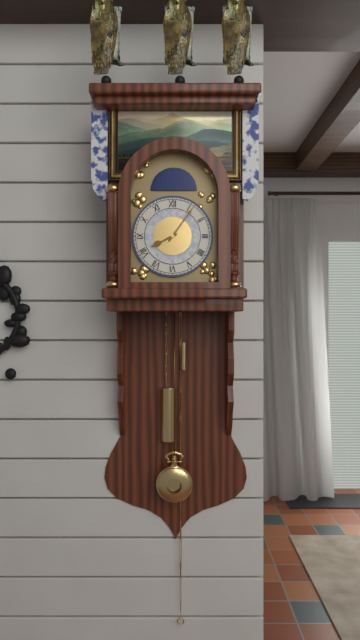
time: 8:06
